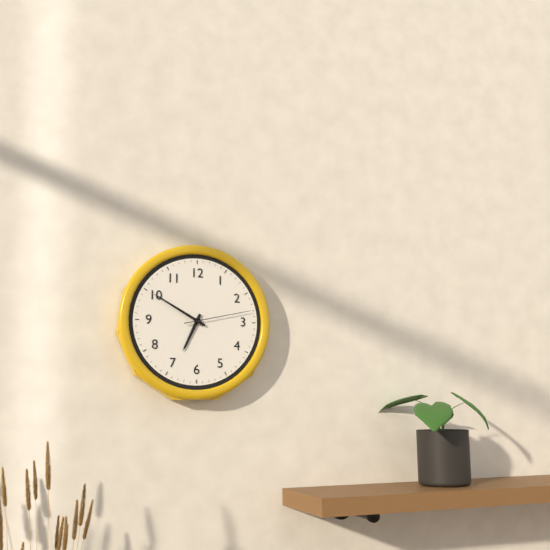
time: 6:50:13
